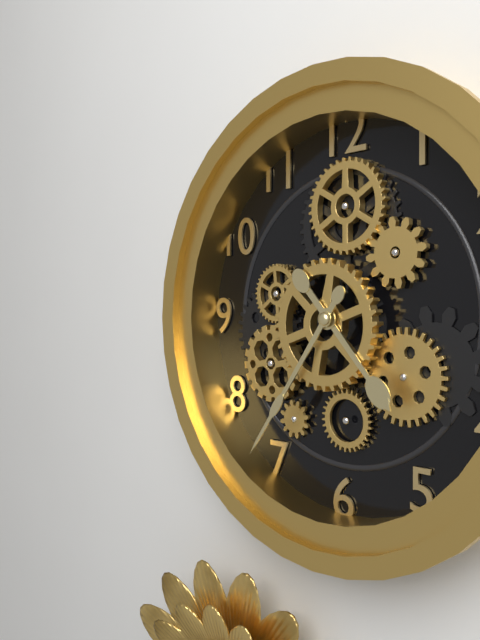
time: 4:36
